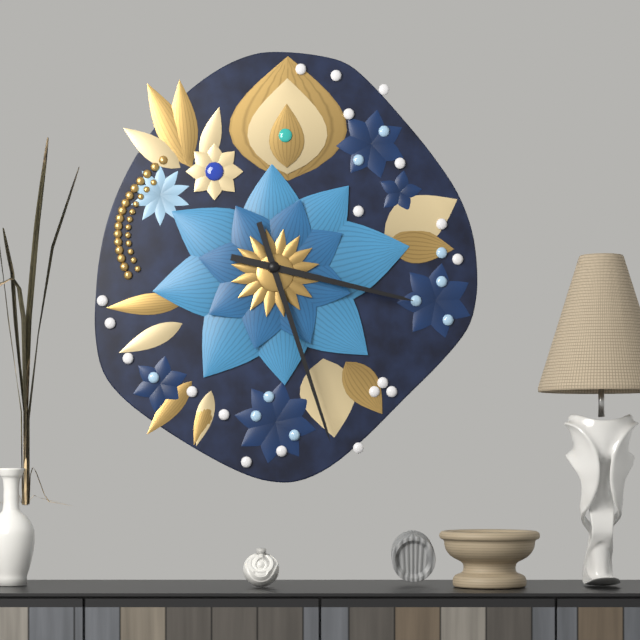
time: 3:27
